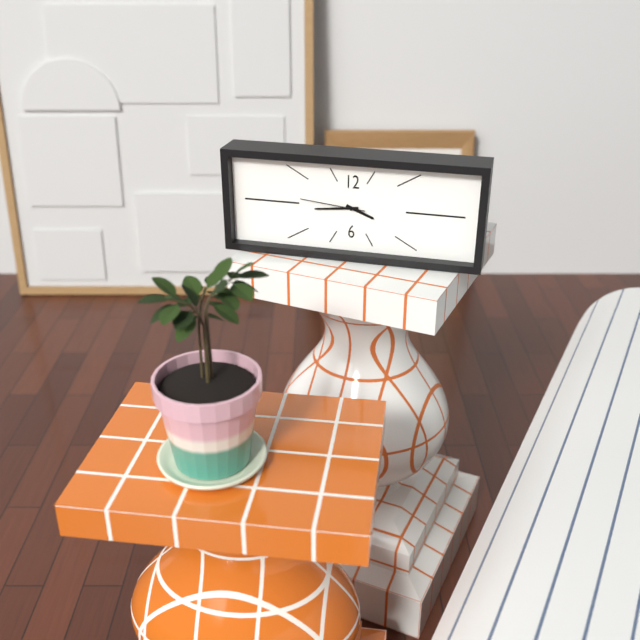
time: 3:44:46
